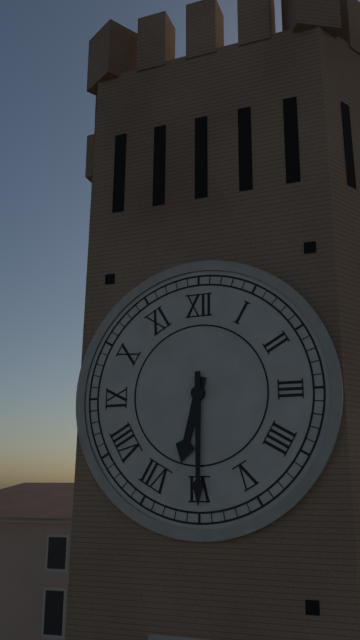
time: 6:30
